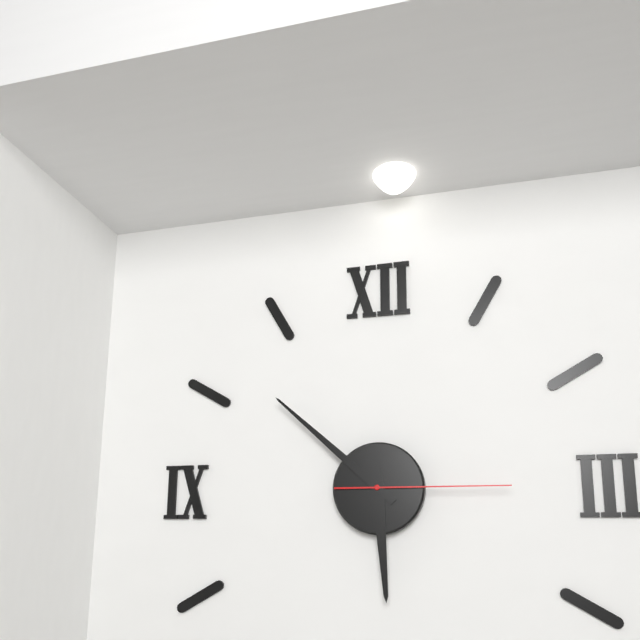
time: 5:52:15
